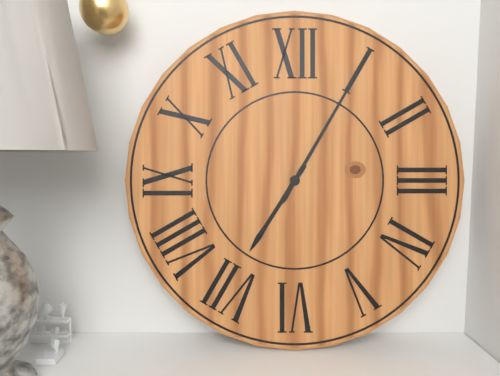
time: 7:05
